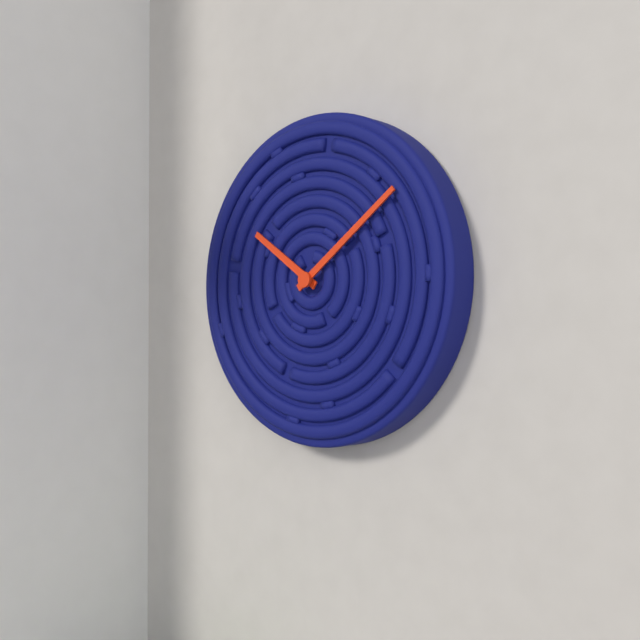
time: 10:09
